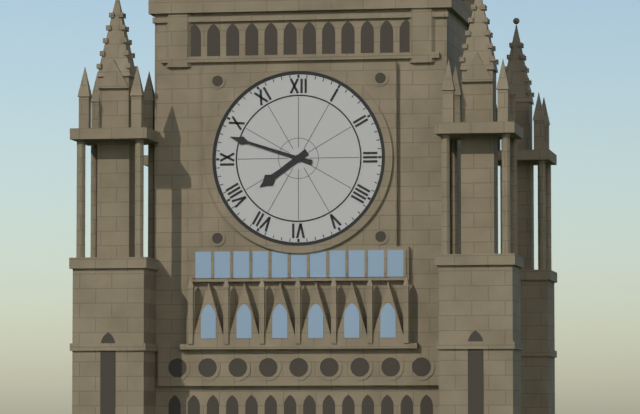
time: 7:48
